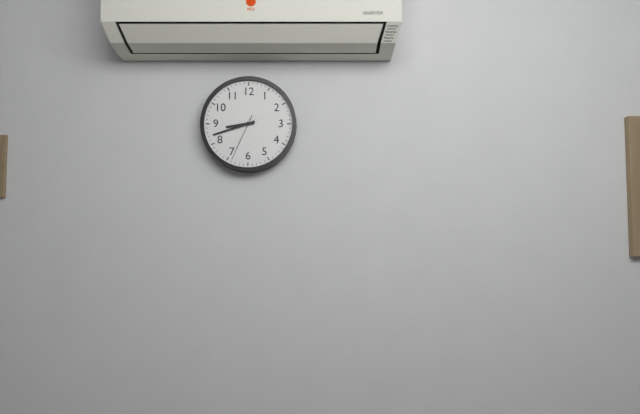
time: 8:42
